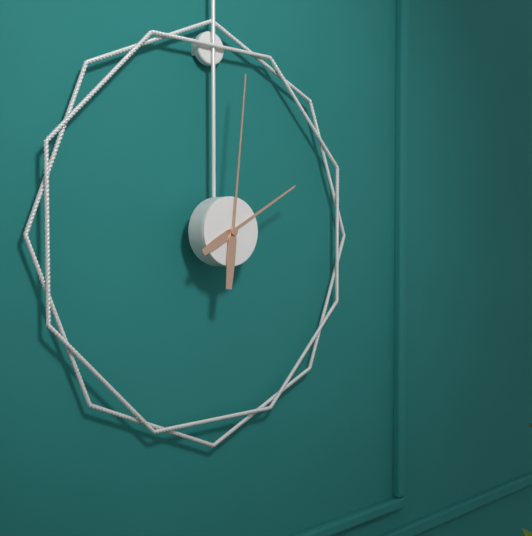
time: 2:01
